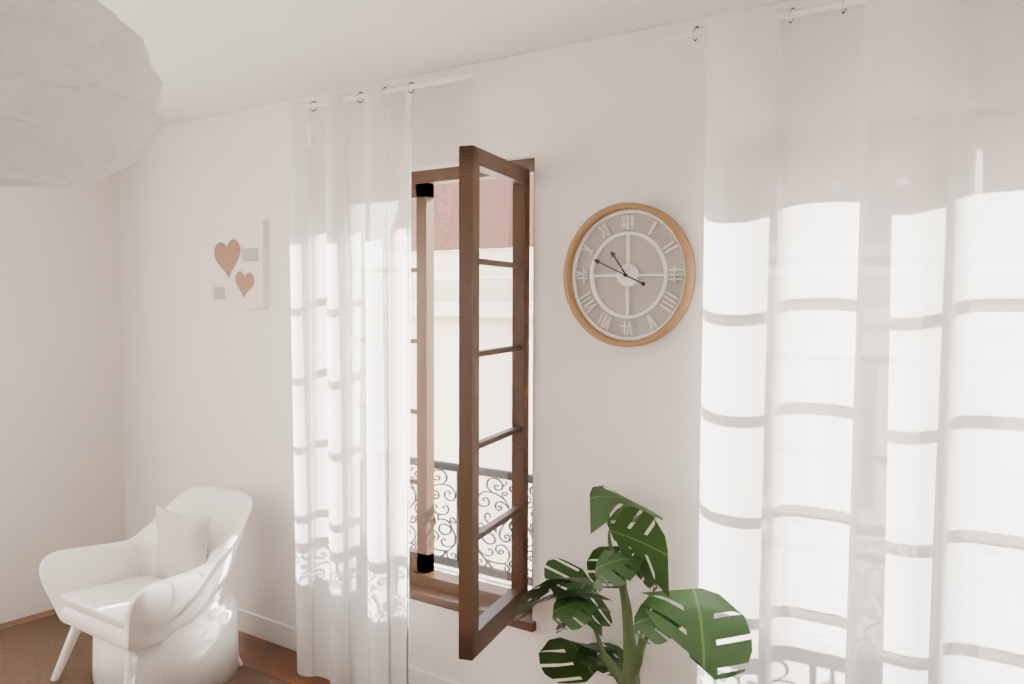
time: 10:49
